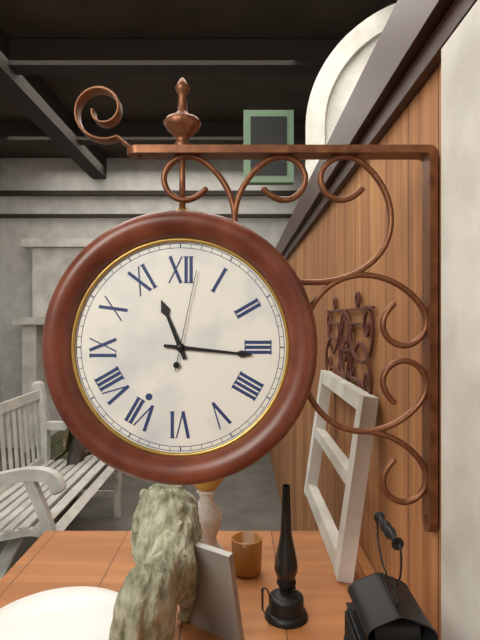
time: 11:16:02
